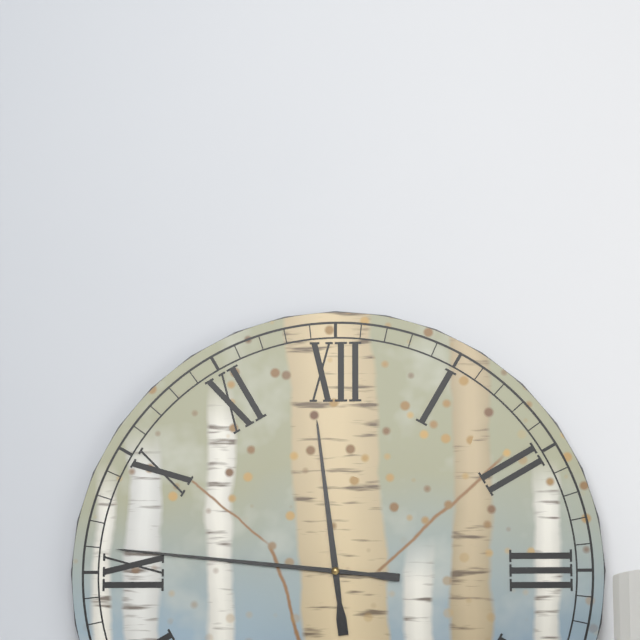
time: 11:46
